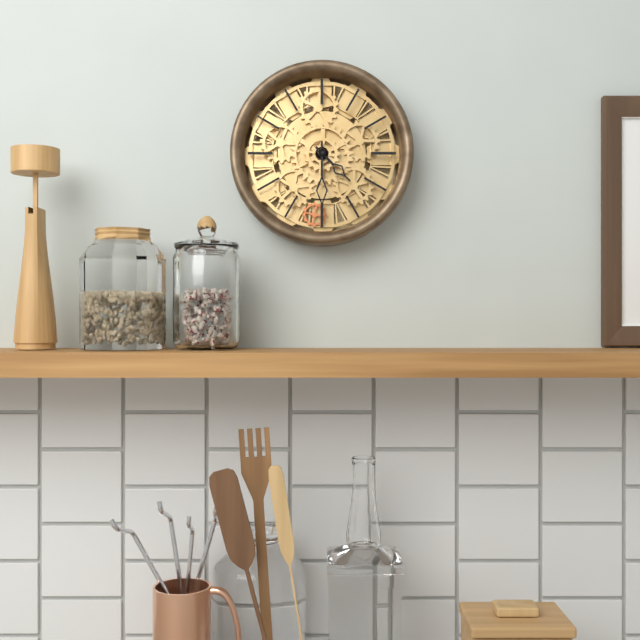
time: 4:30
